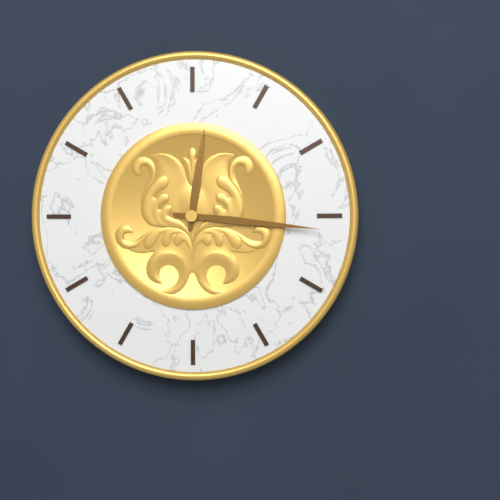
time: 12:16
